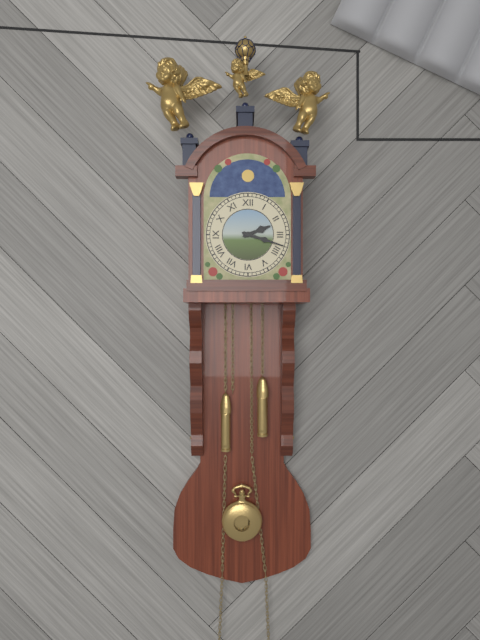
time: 2:18
